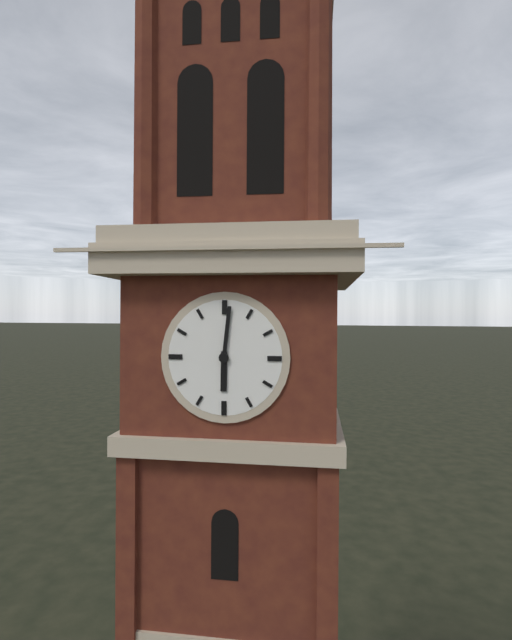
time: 6:01
